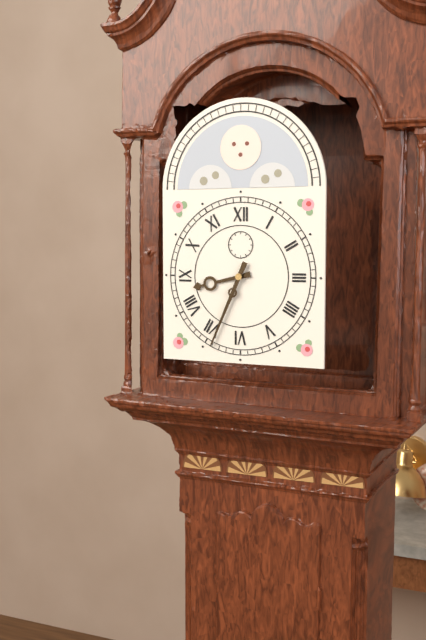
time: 8:34
